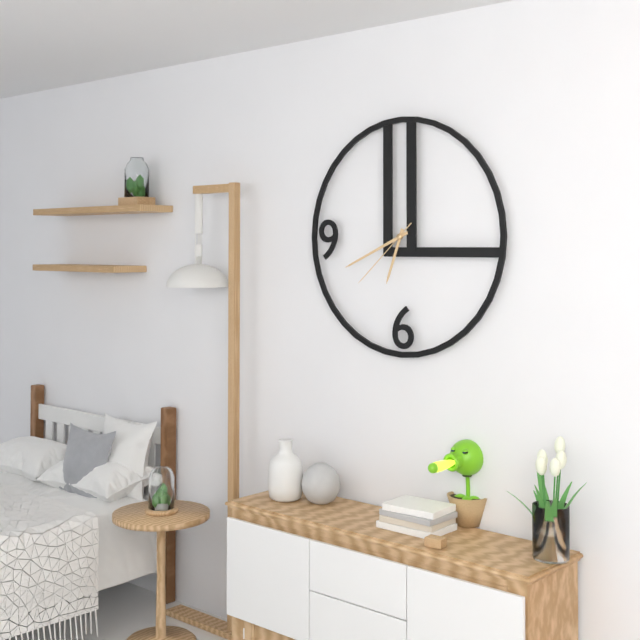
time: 6:41:38
